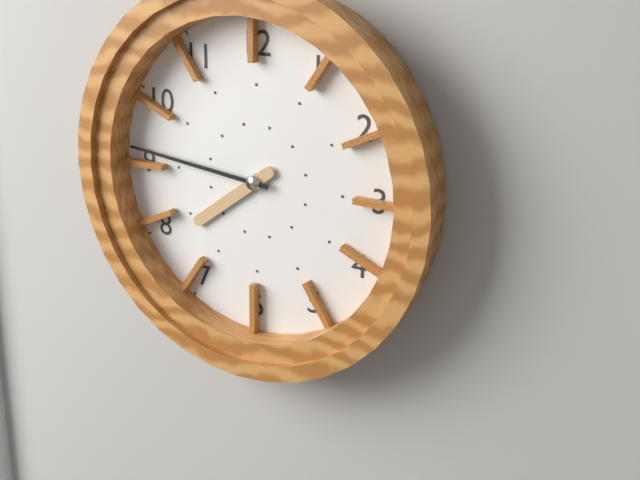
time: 7:46
